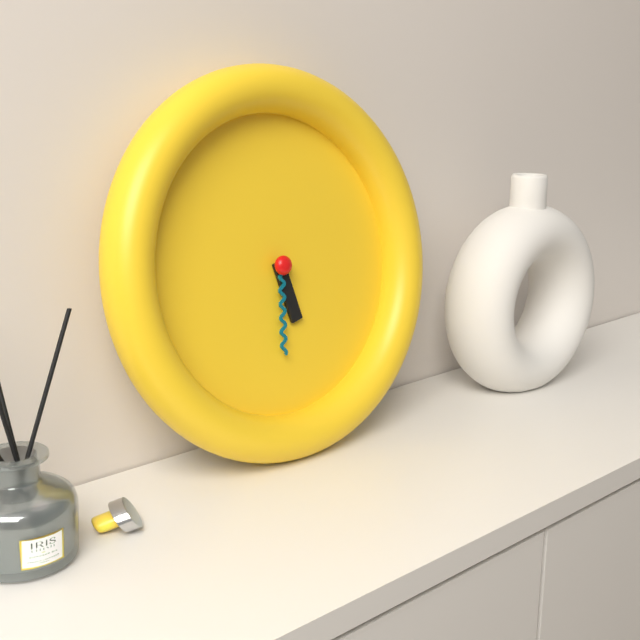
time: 5:31
